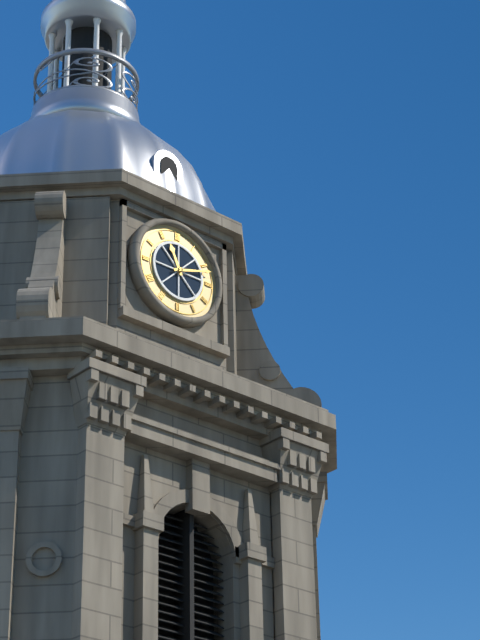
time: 11:12
